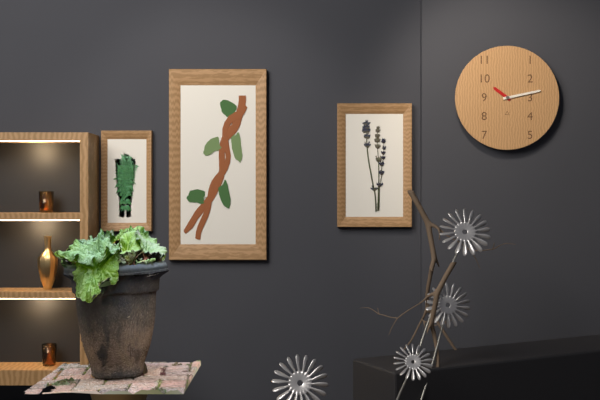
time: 10:13
